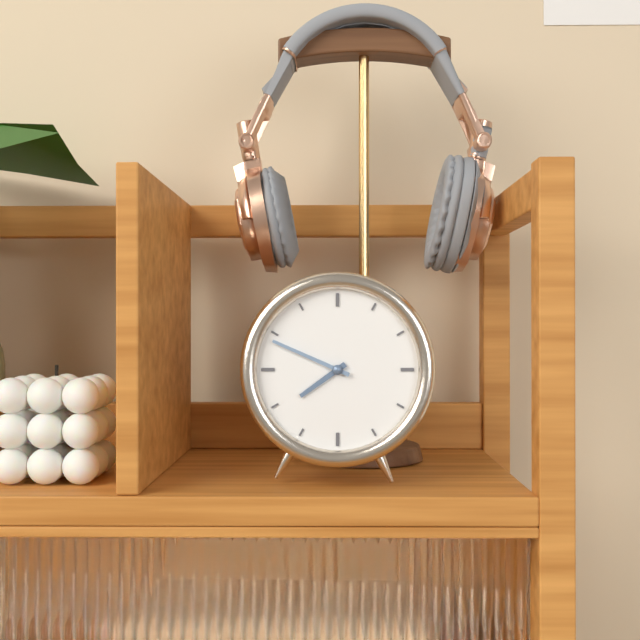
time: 7:49
